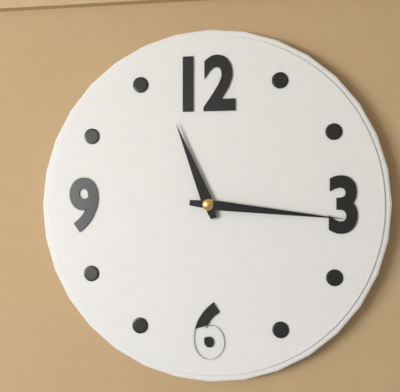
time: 11:16
